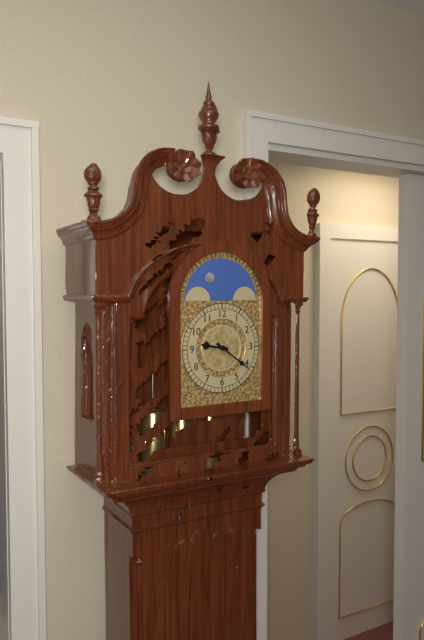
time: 9:21
